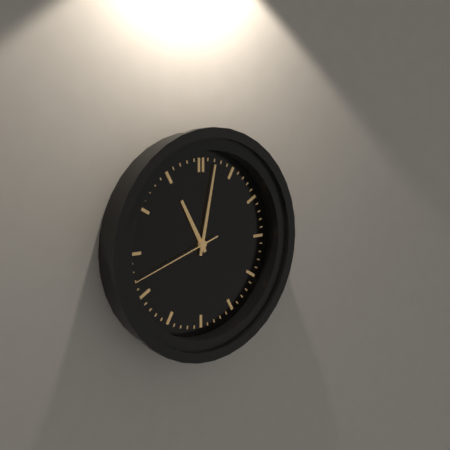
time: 11:02:42
